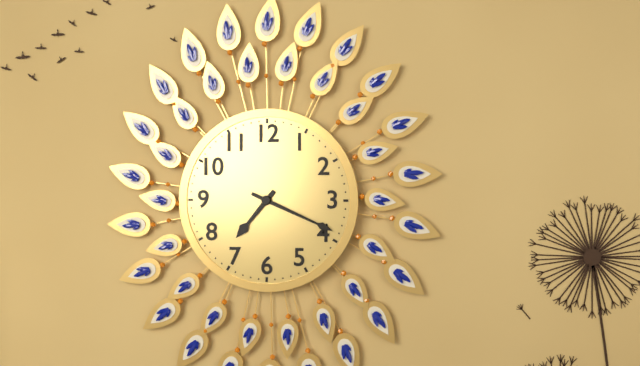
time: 7:19
